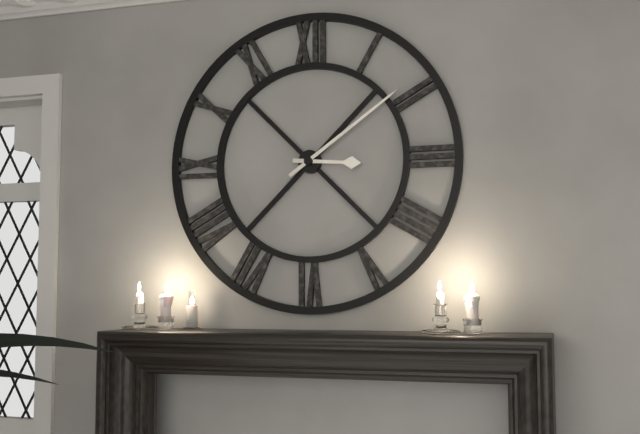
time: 3:09
